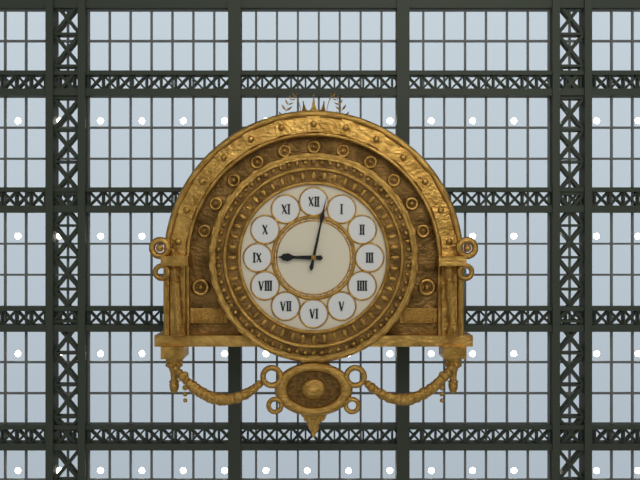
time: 9:02
